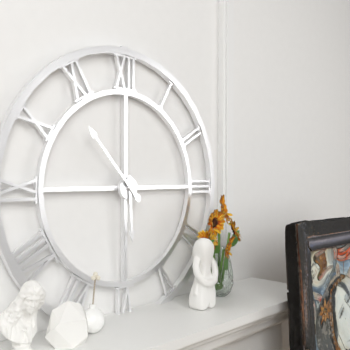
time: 5:53
